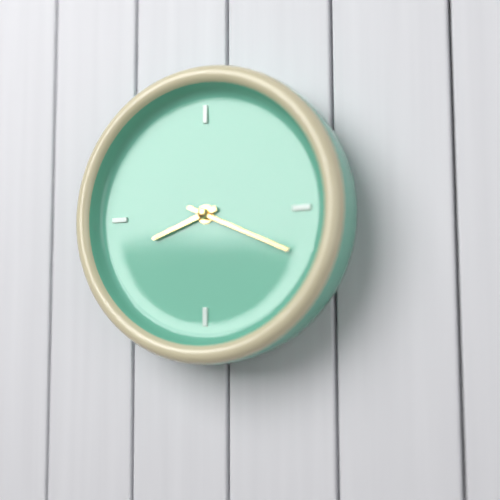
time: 8:19
